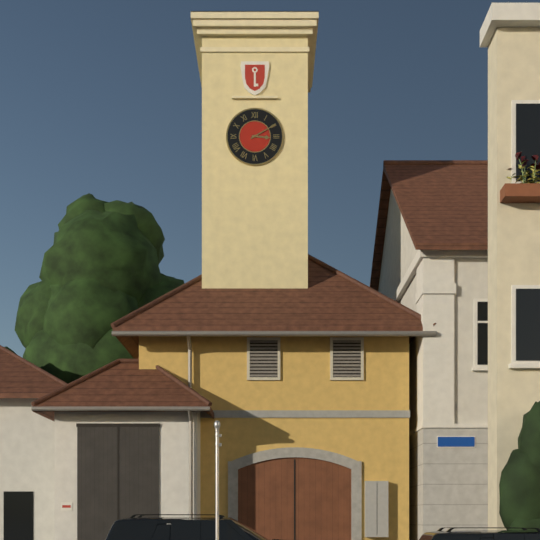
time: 3:10
